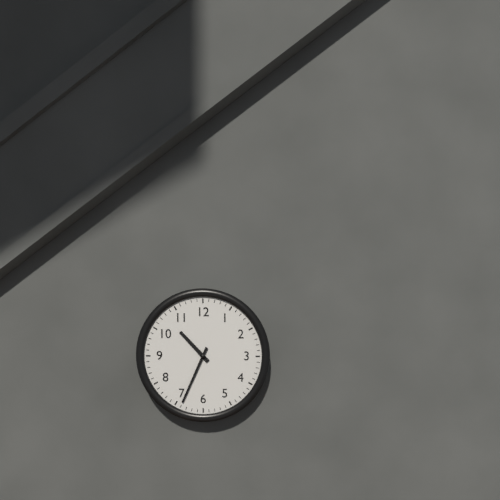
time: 10:34
